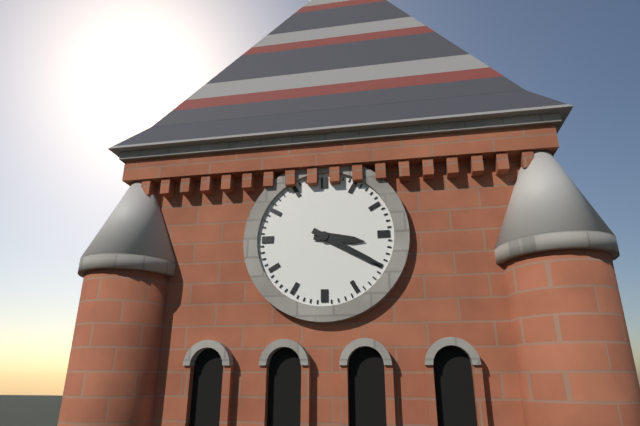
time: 3:20
